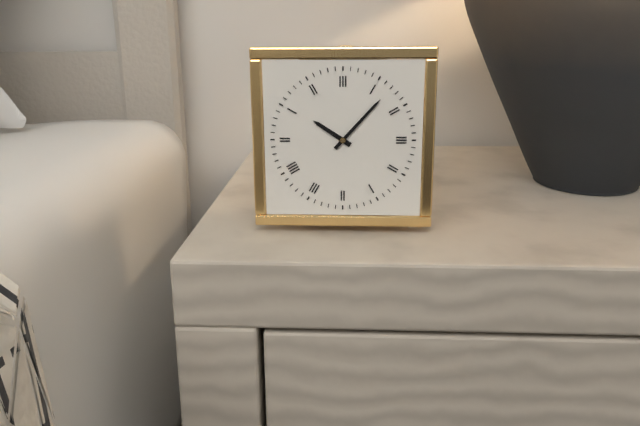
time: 10:07
